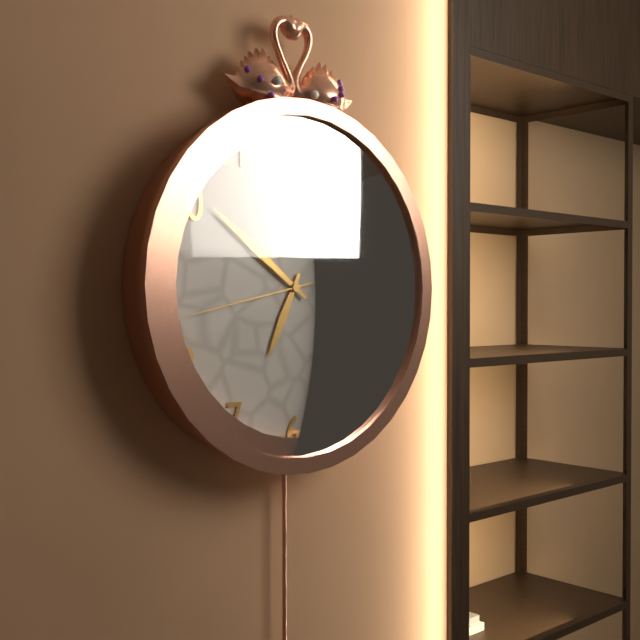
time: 6:51:43
